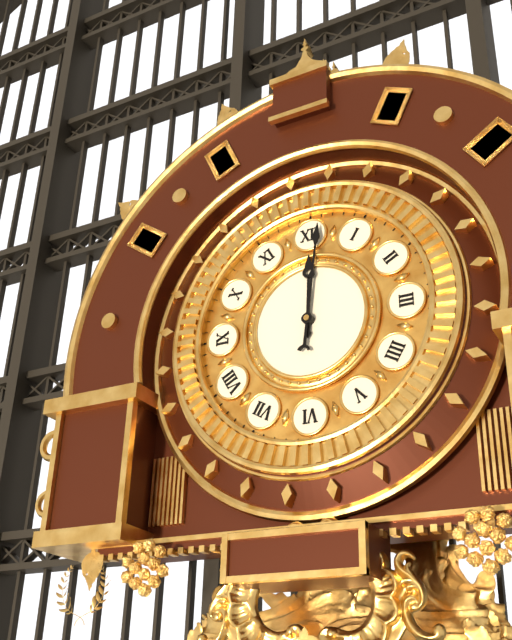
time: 12:01
